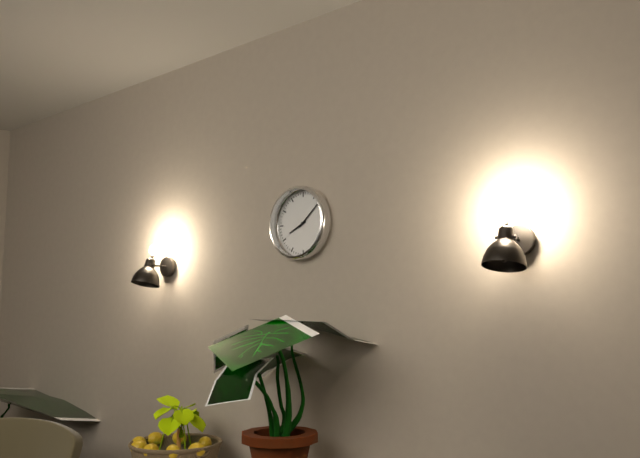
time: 8:08
